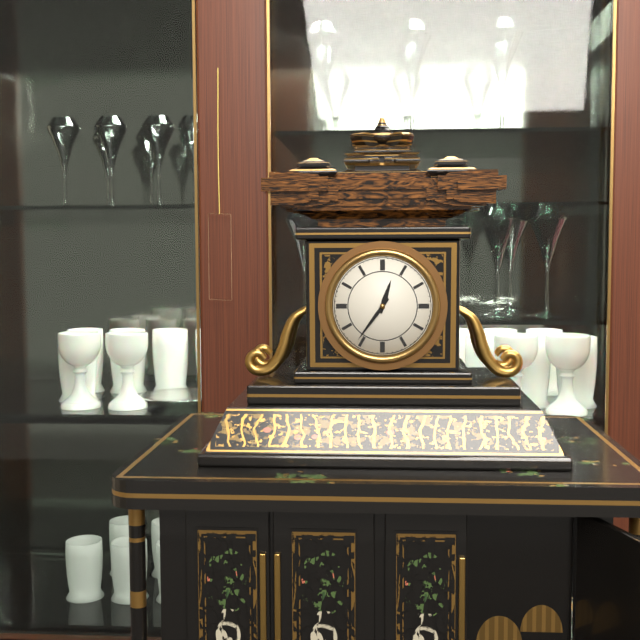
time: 12:36
